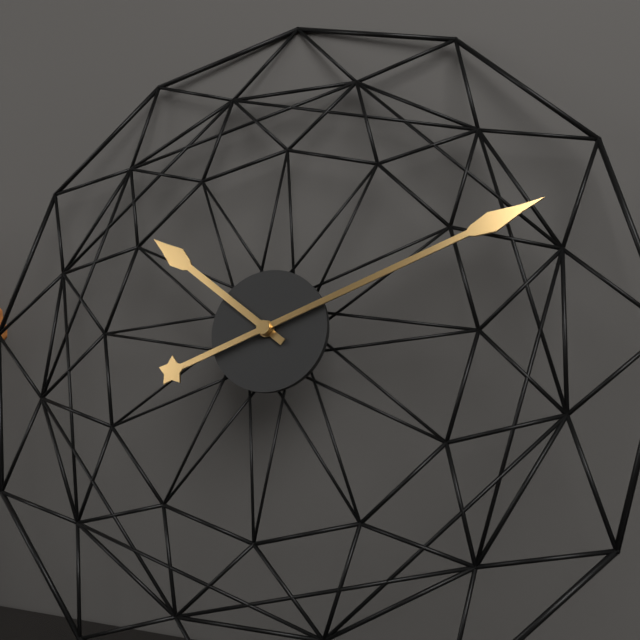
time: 10:11
